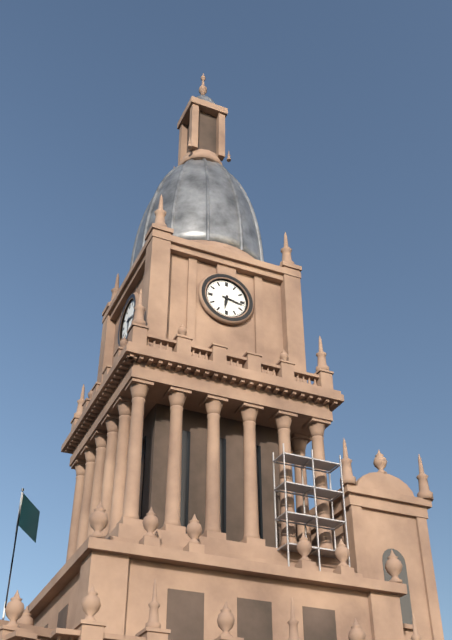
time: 6:17
